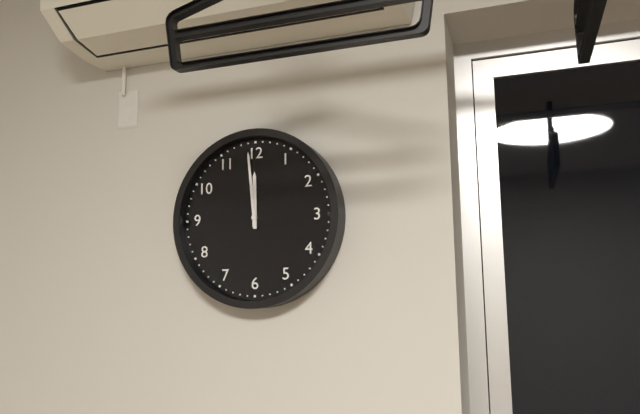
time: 11:59
